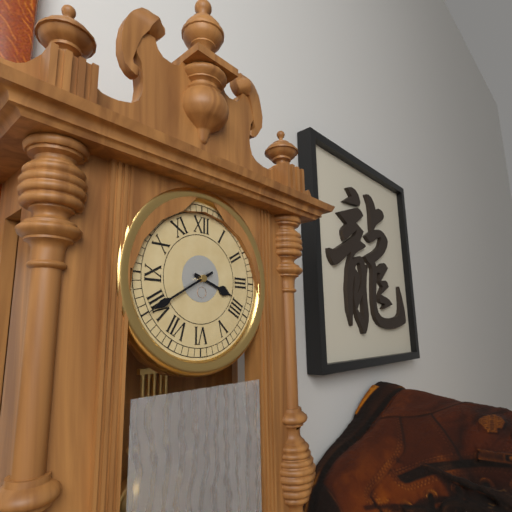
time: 3:40
